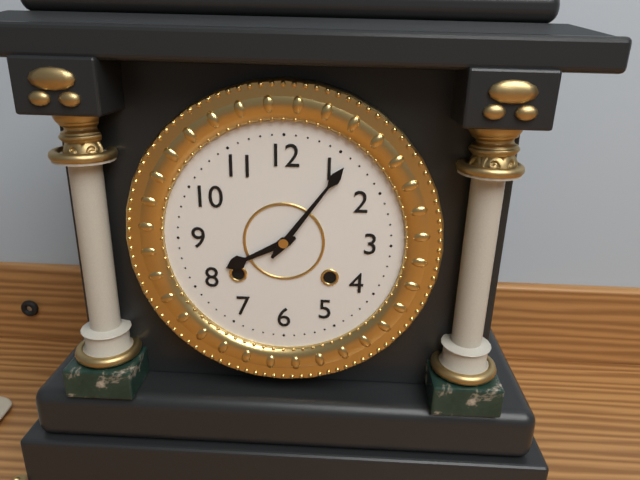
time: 8:06
